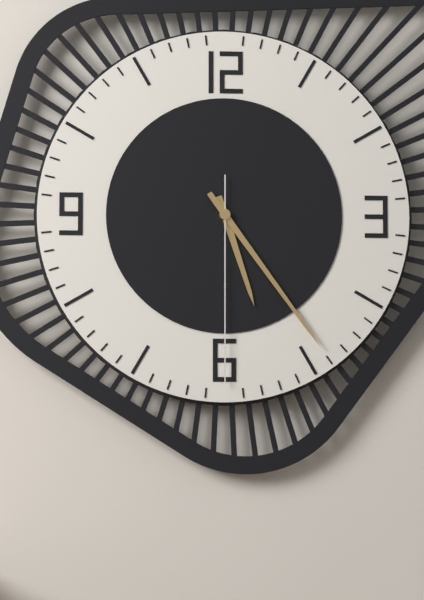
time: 5:24:30
